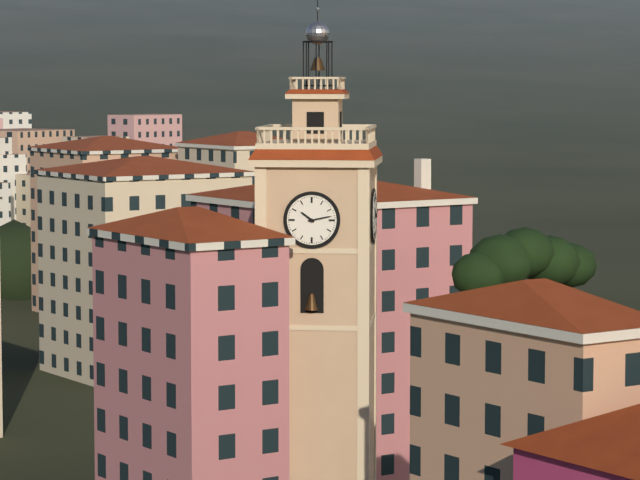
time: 10:13
